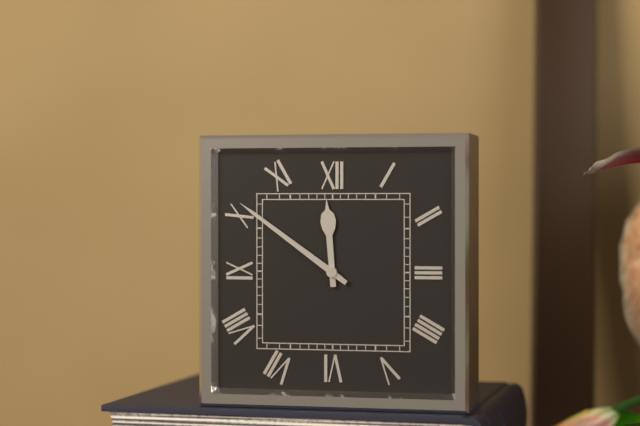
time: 11:51
